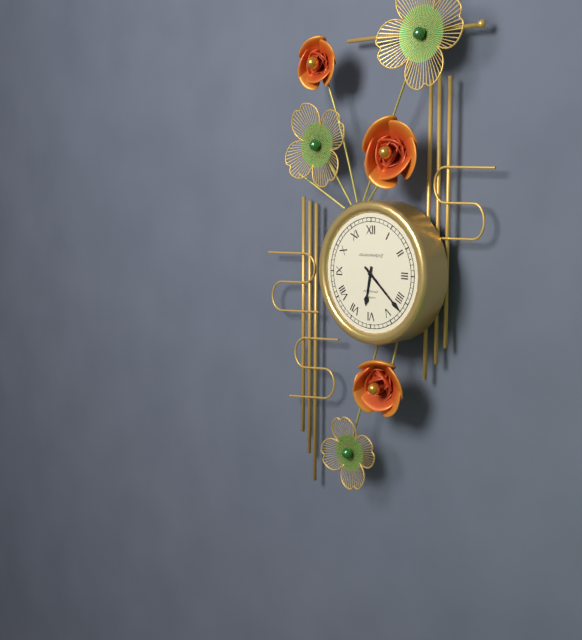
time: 6:22
